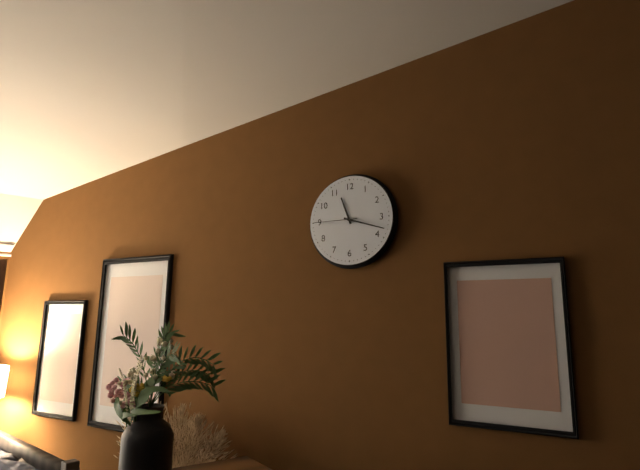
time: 11:18
